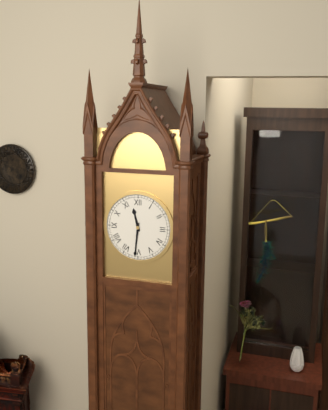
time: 11:31
